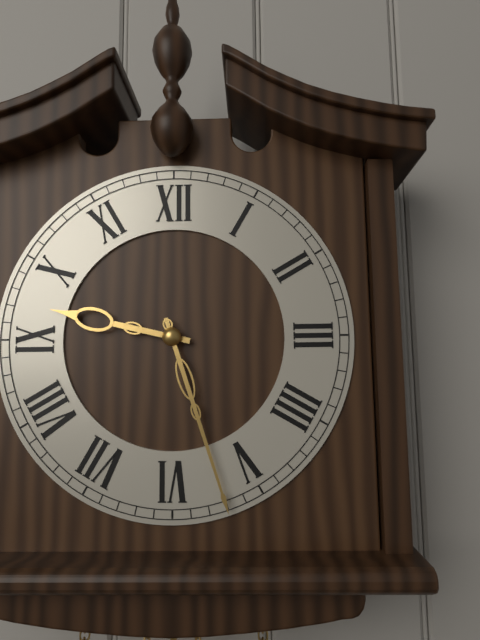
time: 9:27
